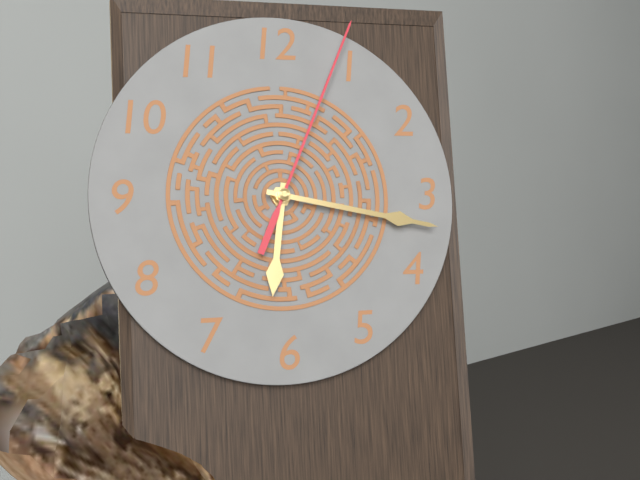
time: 6:17:04
